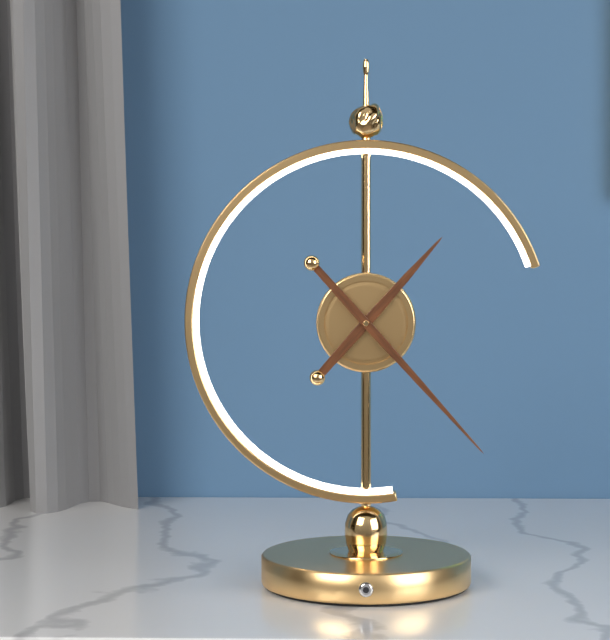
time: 1:23
